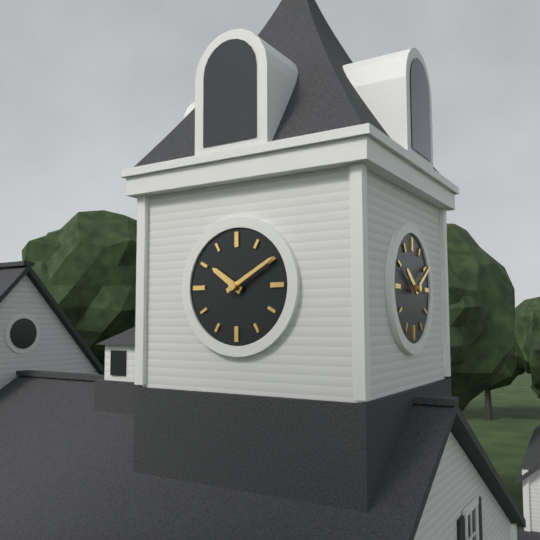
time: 10:10
